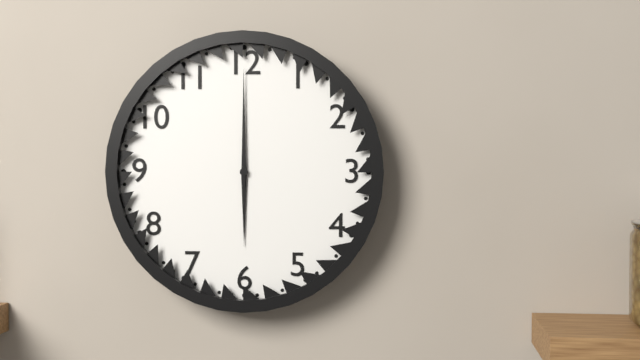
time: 6:00
